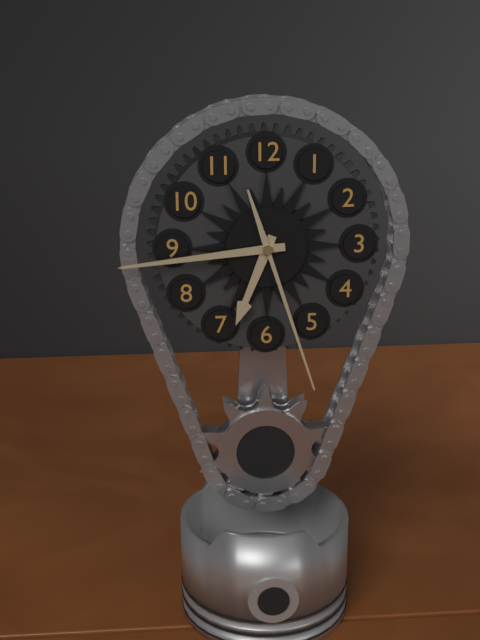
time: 6:44:27
